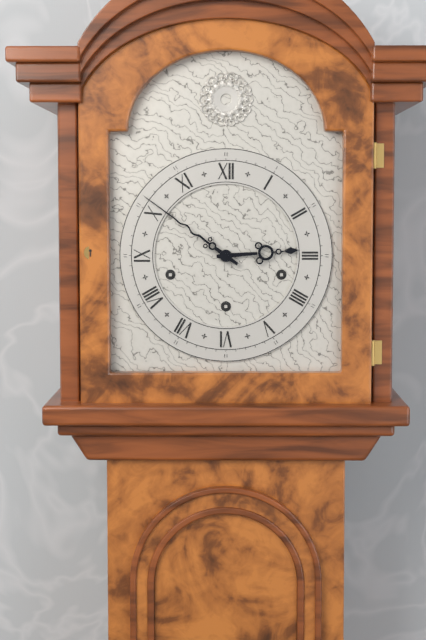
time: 2:51
